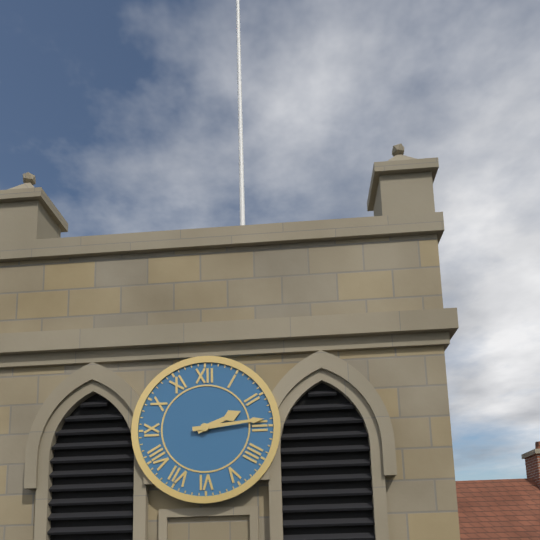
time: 2:14
